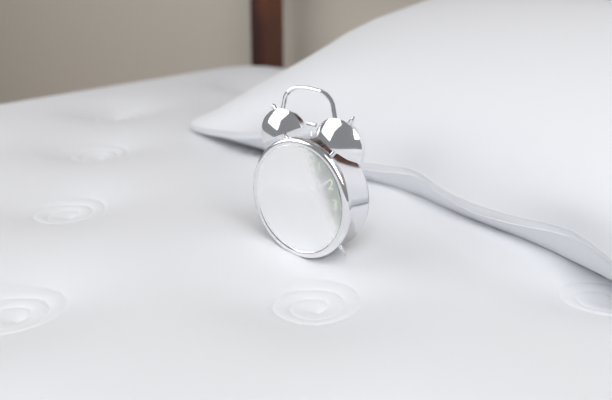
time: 12:09:02
